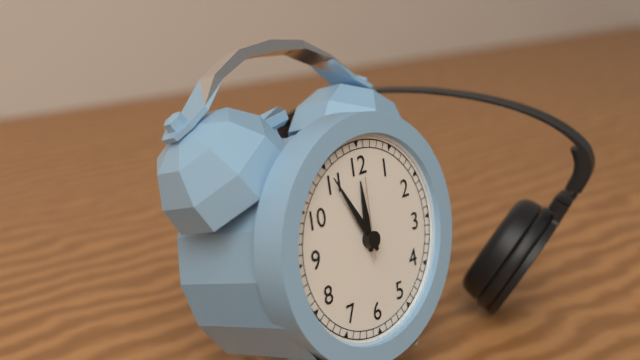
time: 11:55:00
